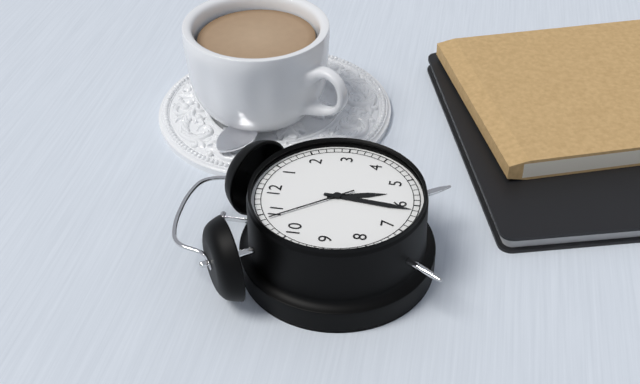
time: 5:31:54
